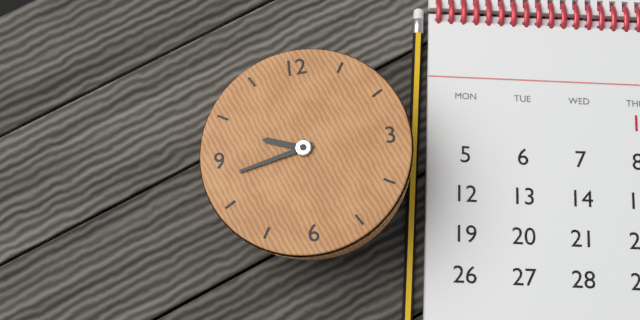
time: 9:43
